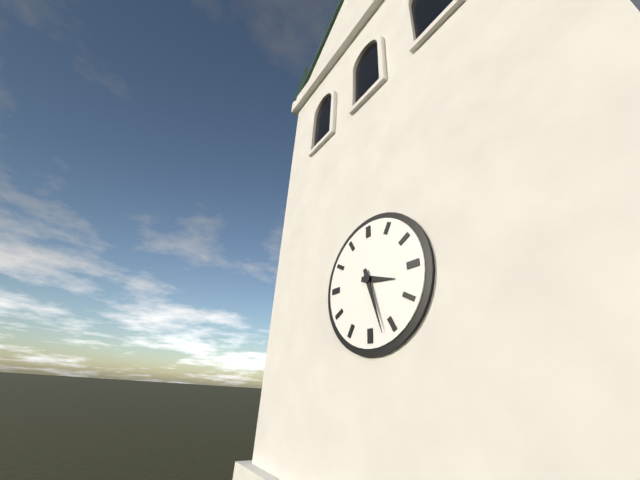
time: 3:27
